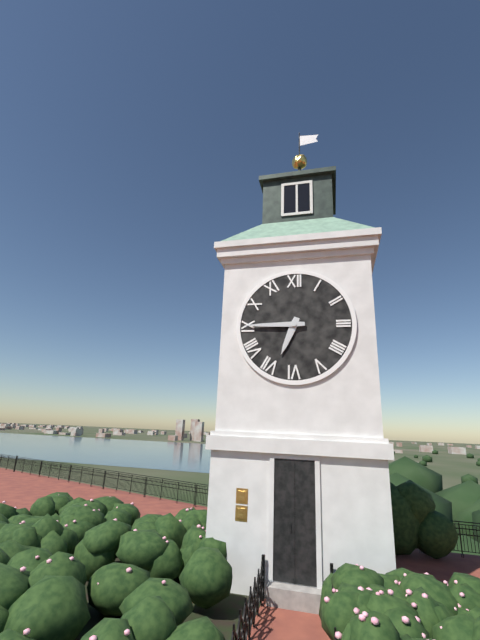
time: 6:45
